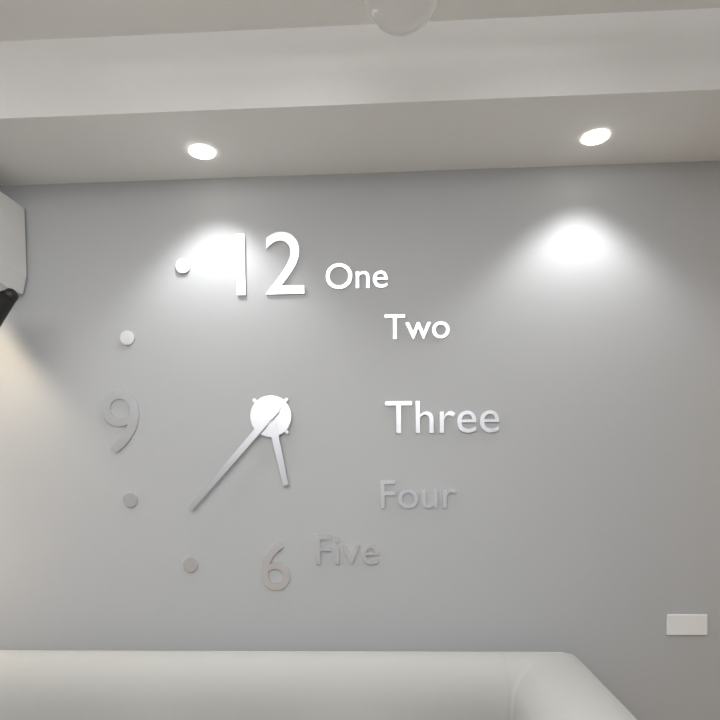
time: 5:37
